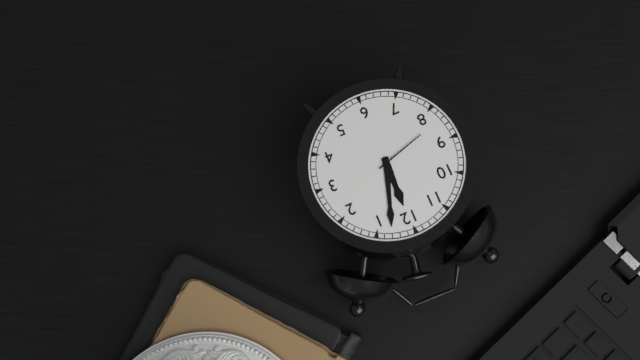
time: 12:03:42
